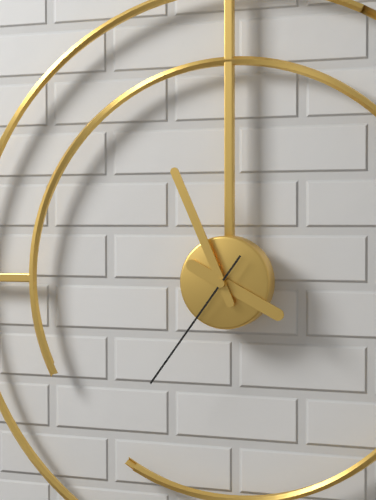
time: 3:56:36
